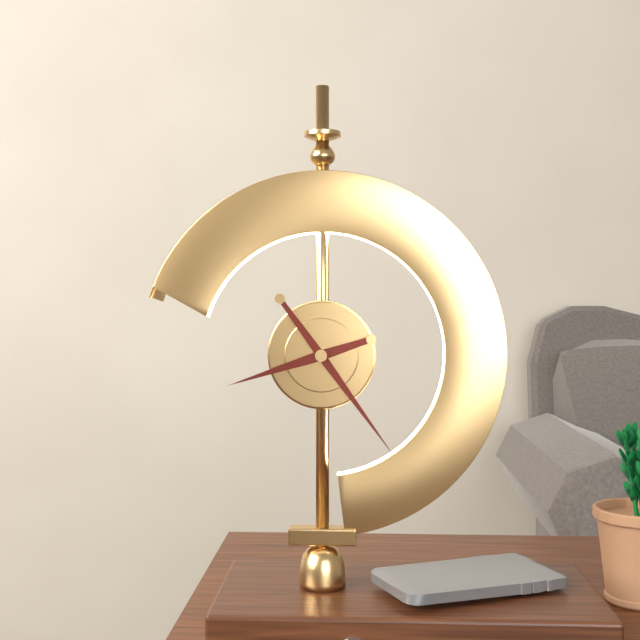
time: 8:24
